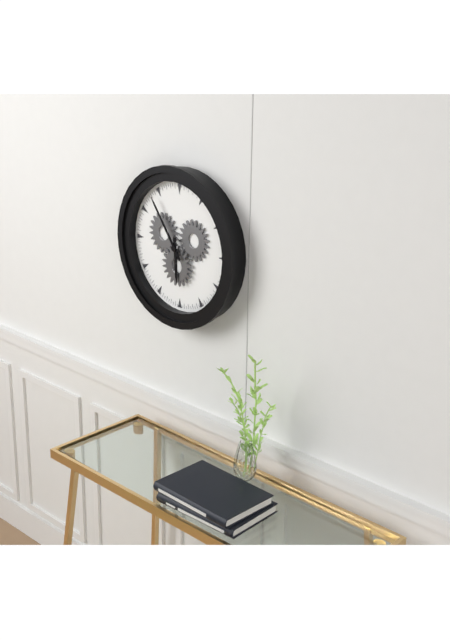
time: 5:54
